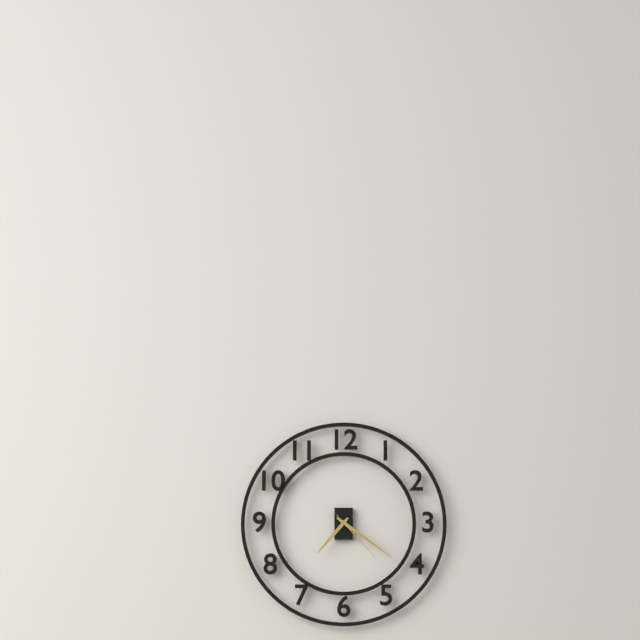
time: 7:21:23
